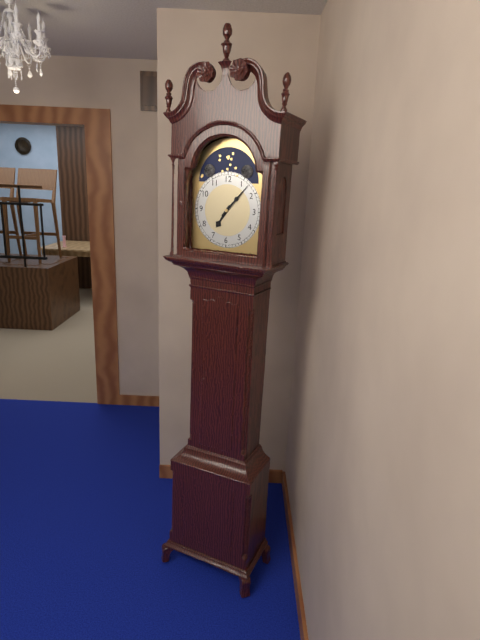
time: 7:07
